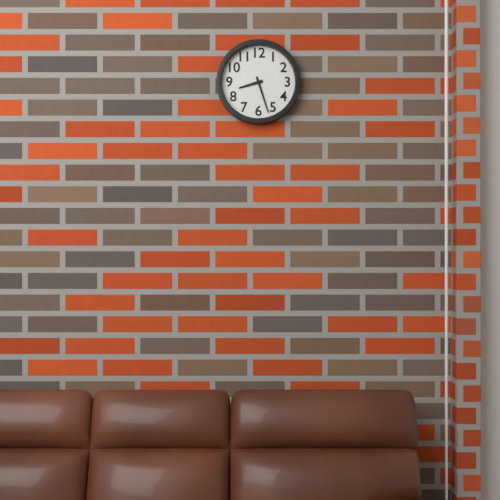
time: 8:27
